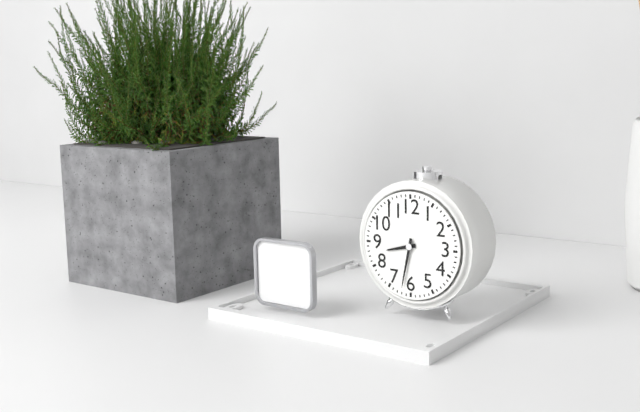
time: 8:32
